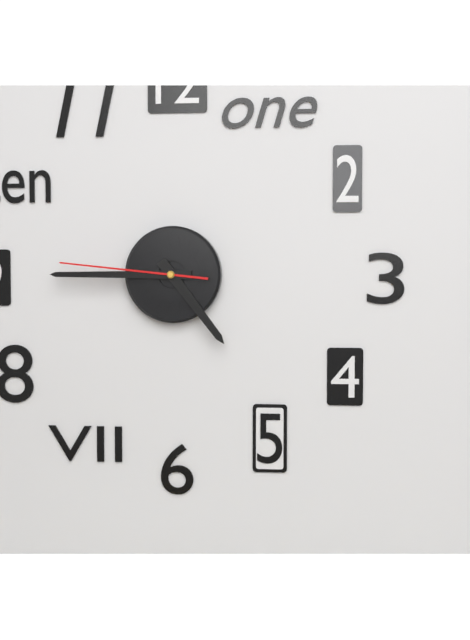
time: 4:45:46
